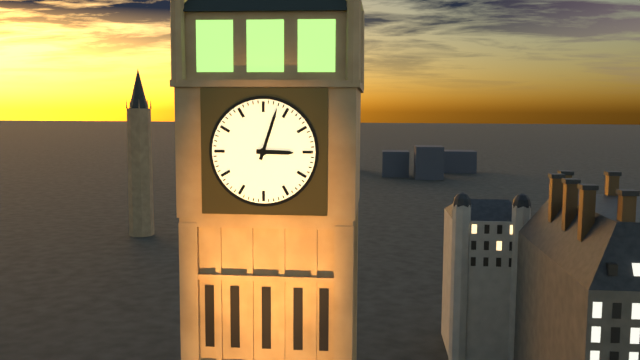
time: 3:03
